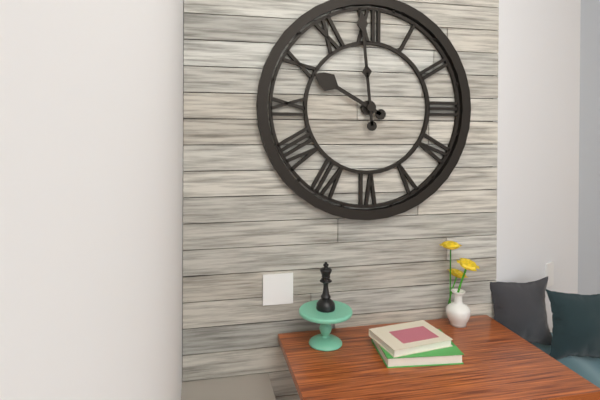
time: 9:59
